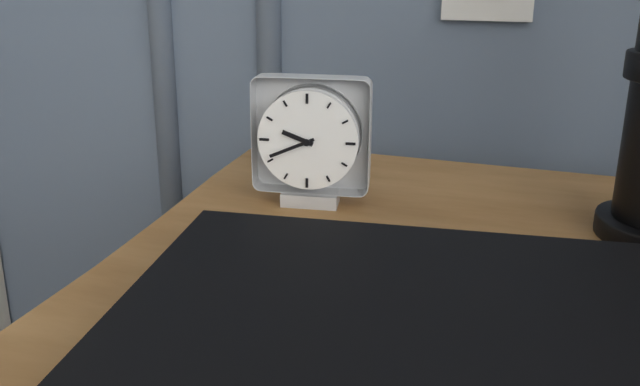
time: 9:41
